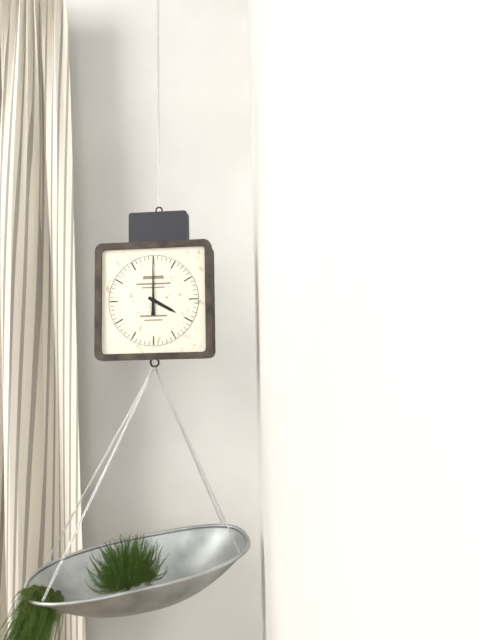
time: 4:00
